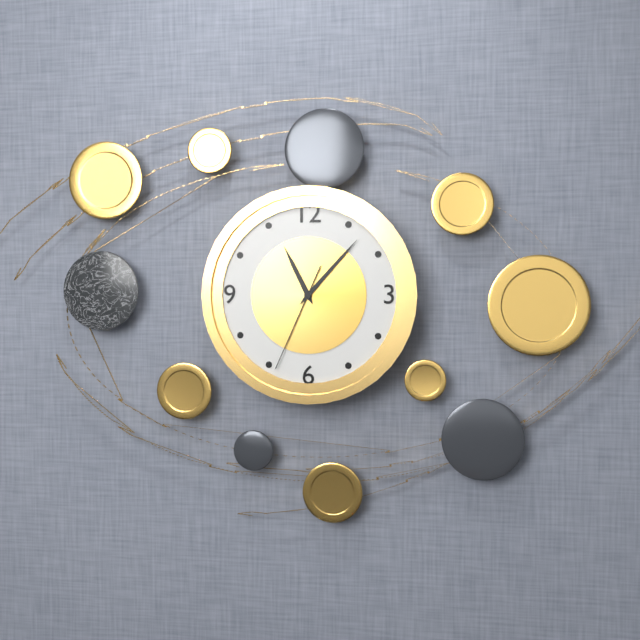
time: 11:07:34
